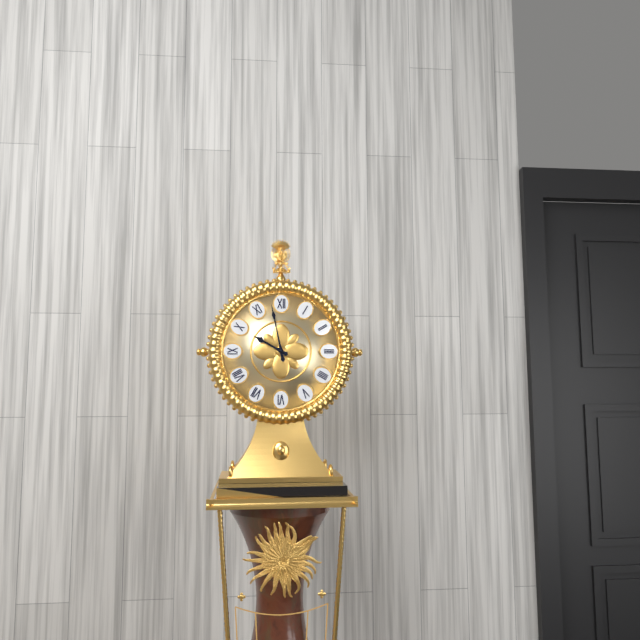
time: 9:58
